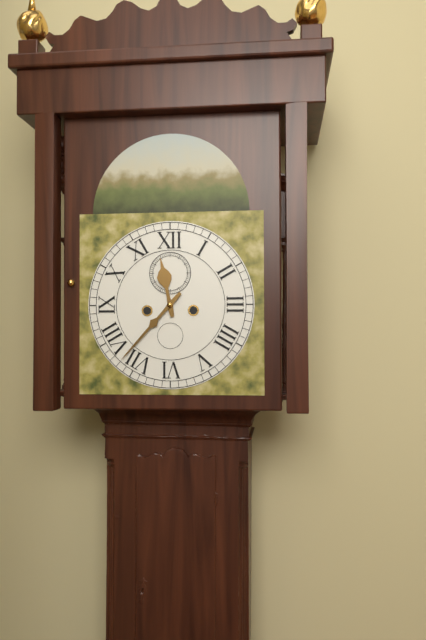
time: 11:37
